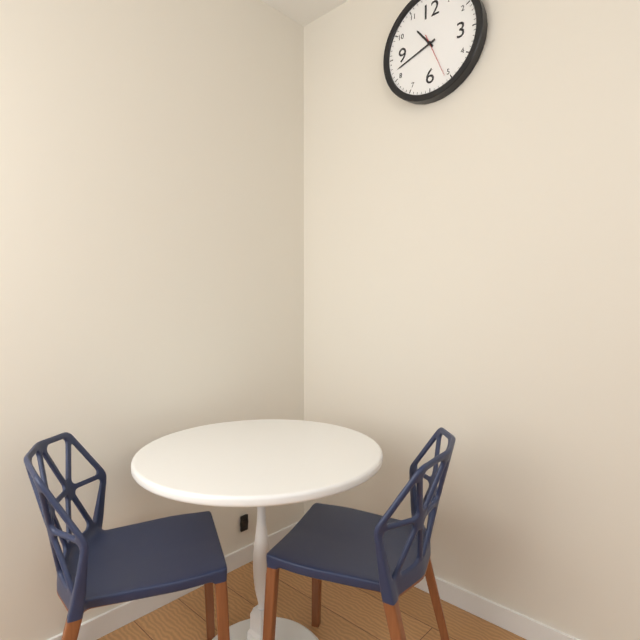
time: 10:42
